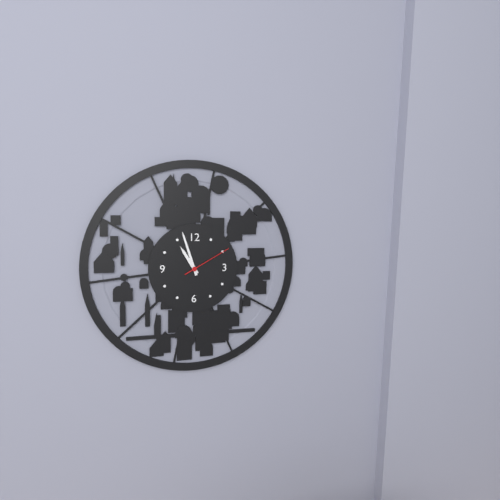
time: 10:57:10
